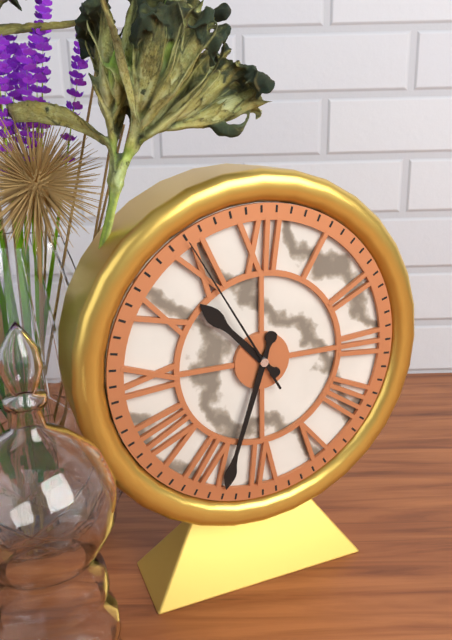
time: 10:33:55
